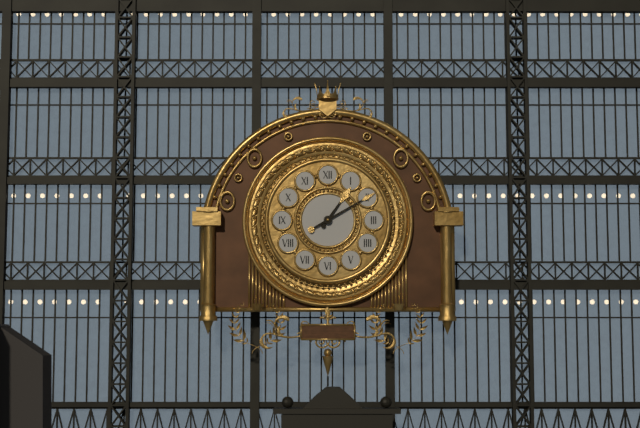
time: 1:10
